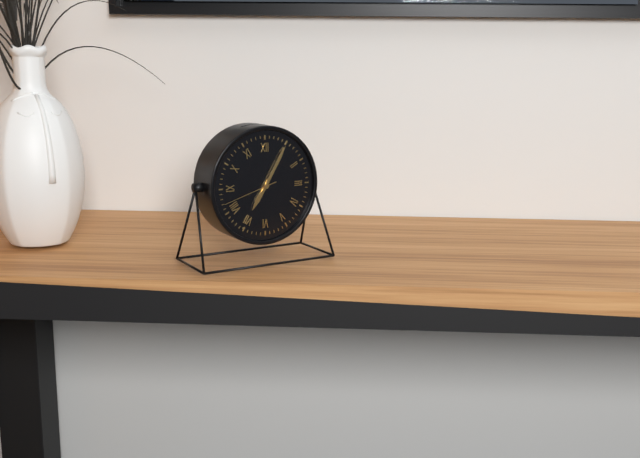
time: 7:05:42
